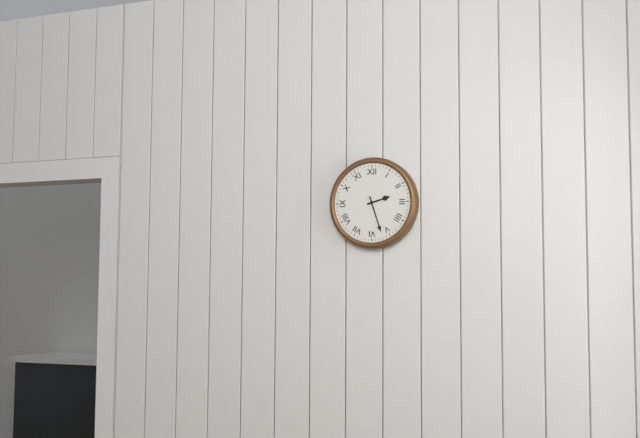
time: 2:27
